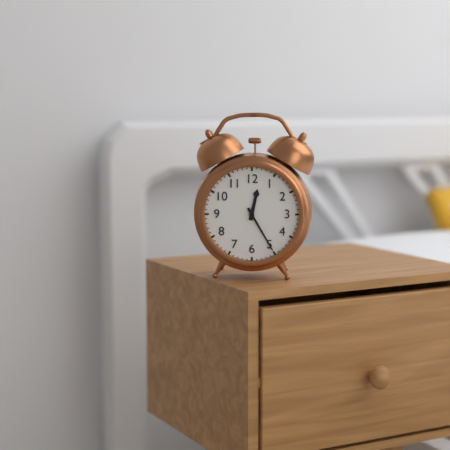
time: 12:25
